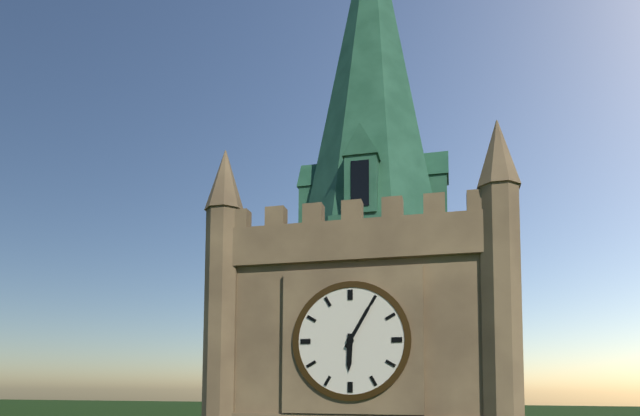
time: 6:05
